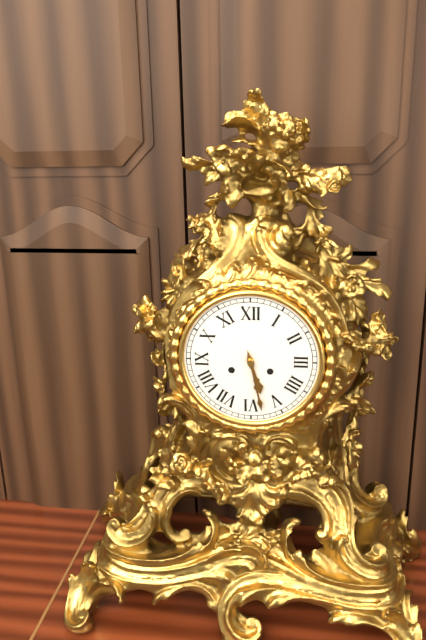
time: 5:28
